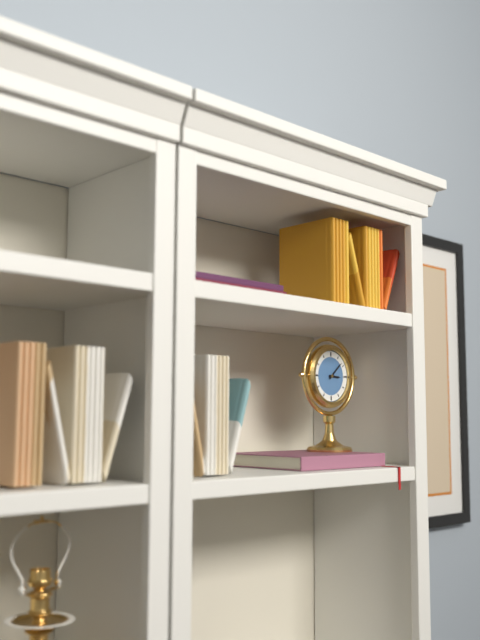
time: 3:08
